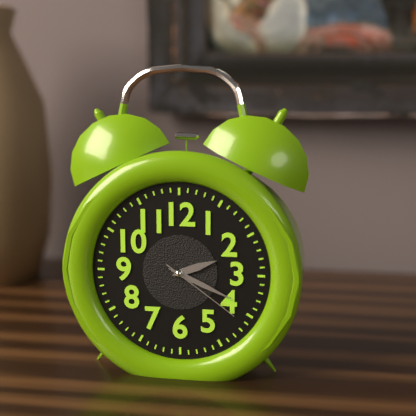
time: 2:19:21
